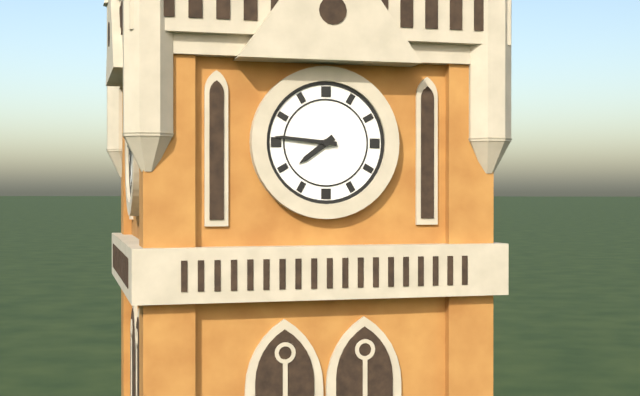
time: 7:46
